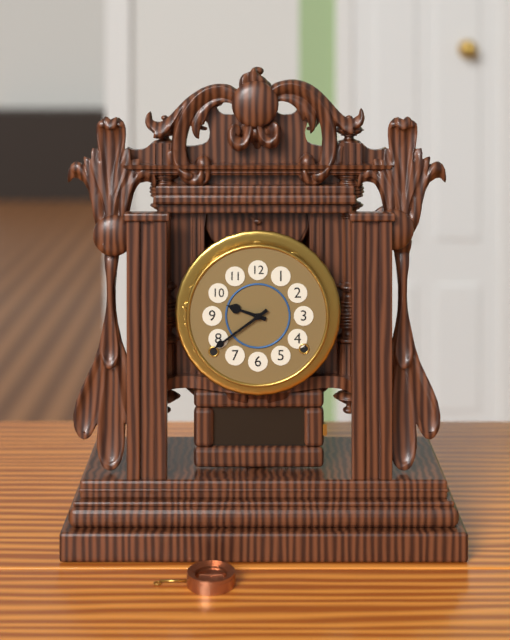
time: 9:39
